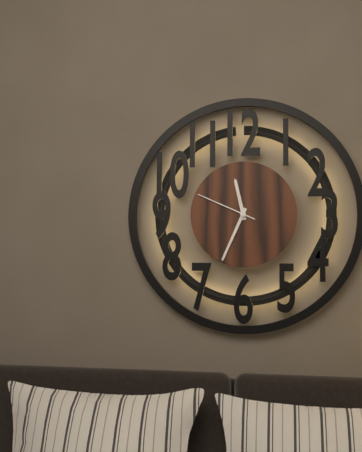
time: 11:34:49
